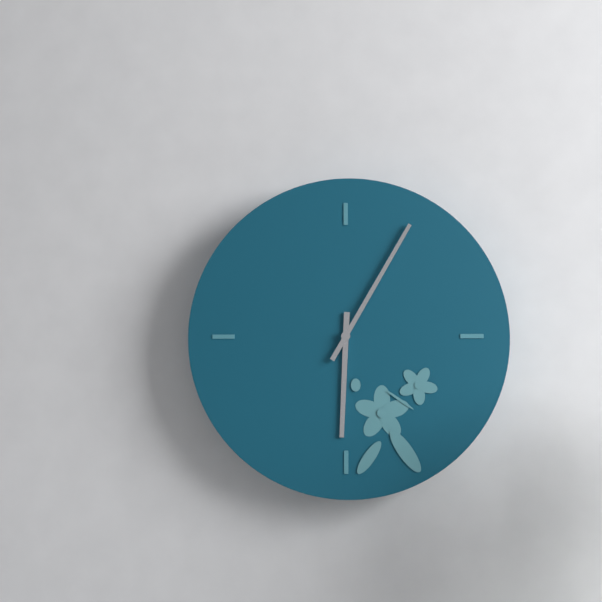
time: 6:05
